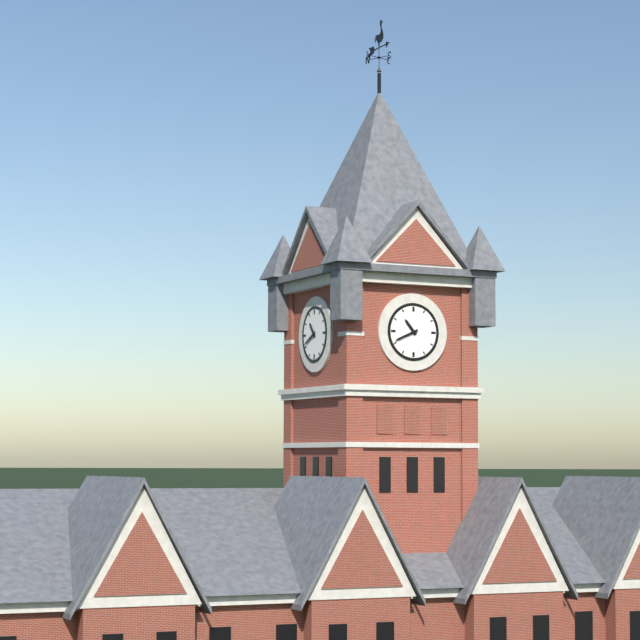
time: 10:41
